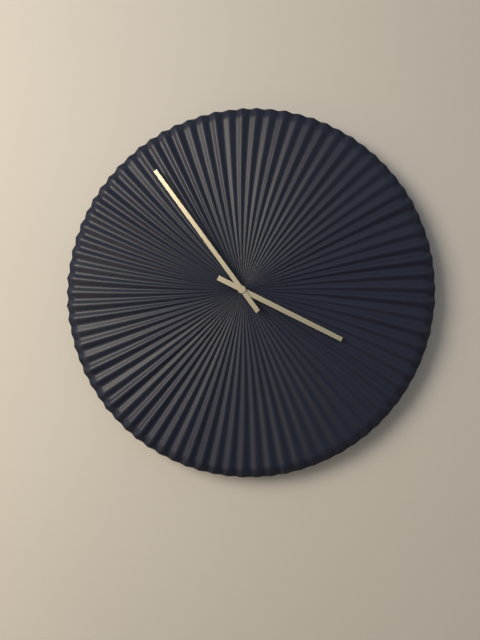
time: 3:54
